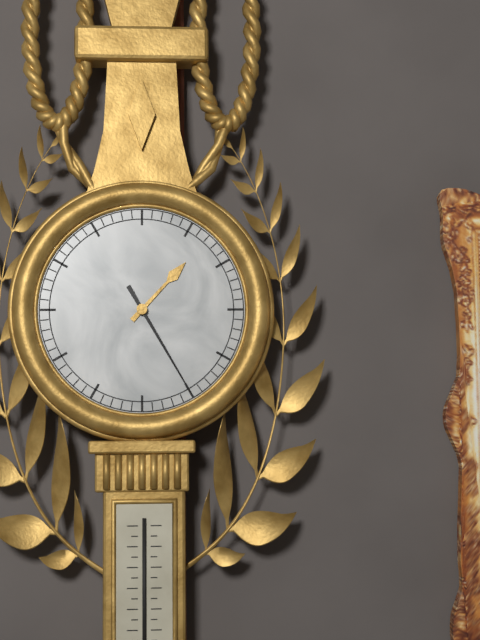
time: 1:25
